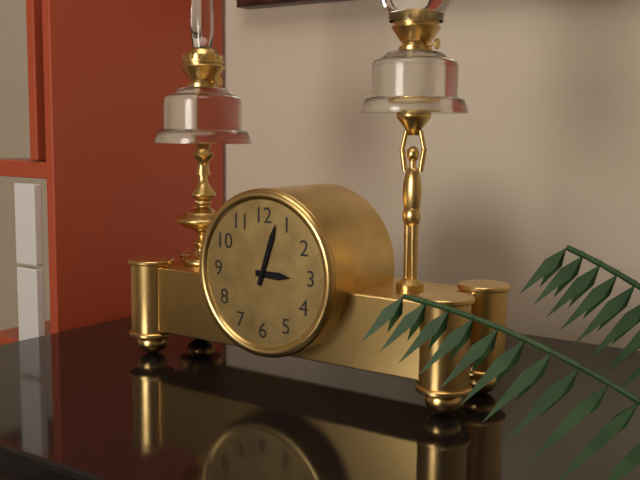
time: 3:03
